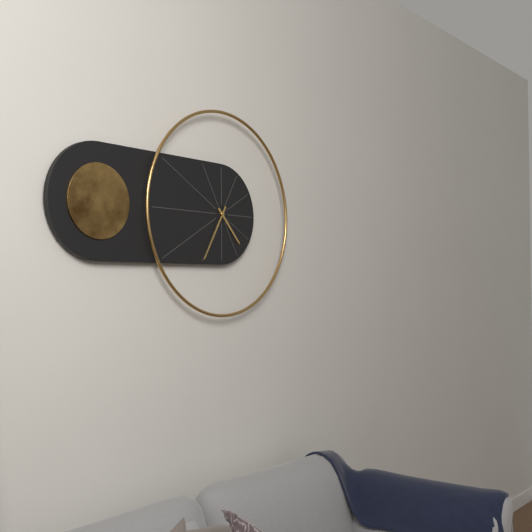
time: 4:35
